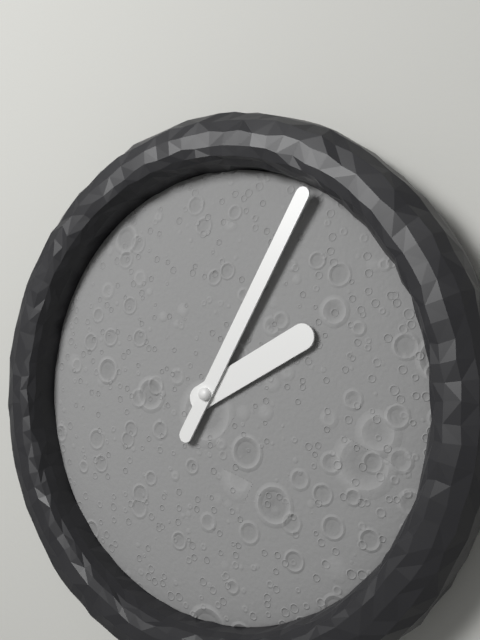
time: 2:05
